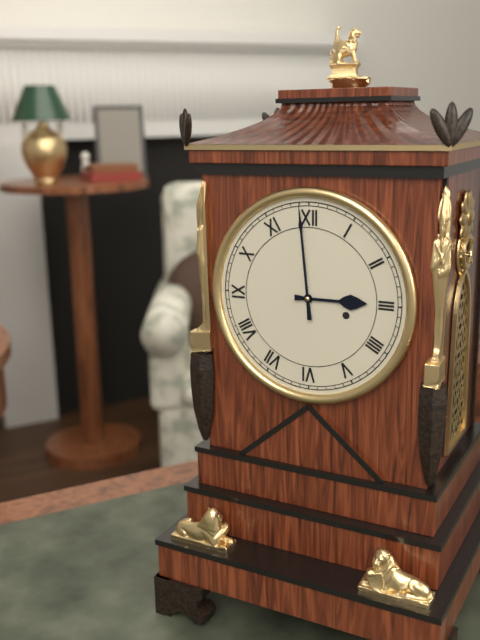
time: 2:59
